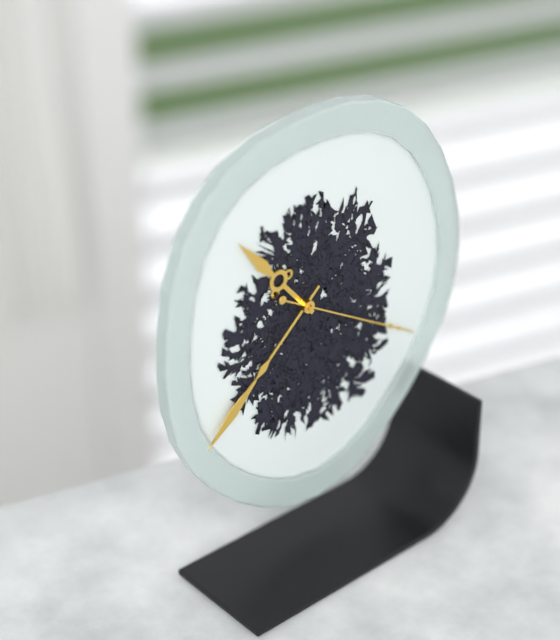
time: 10:38:20
